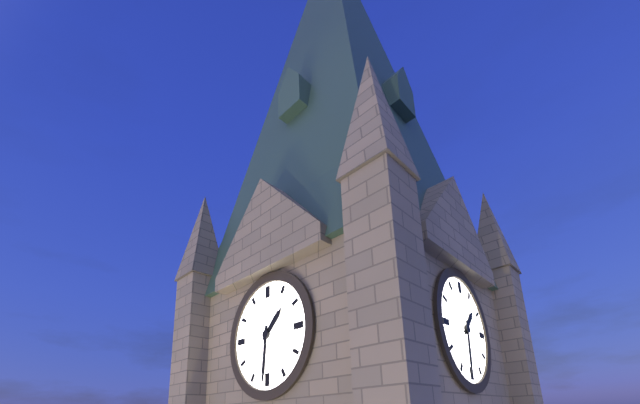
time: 1:31
